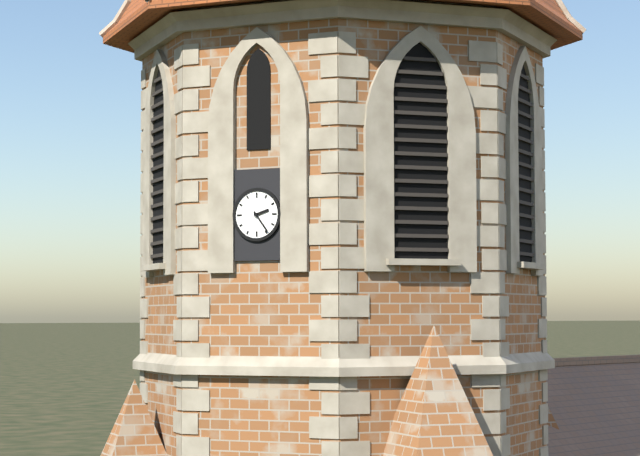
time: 2:24
